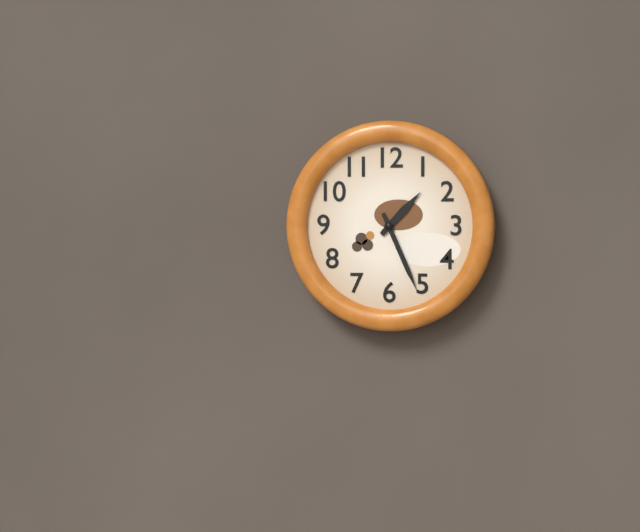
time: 1:26
